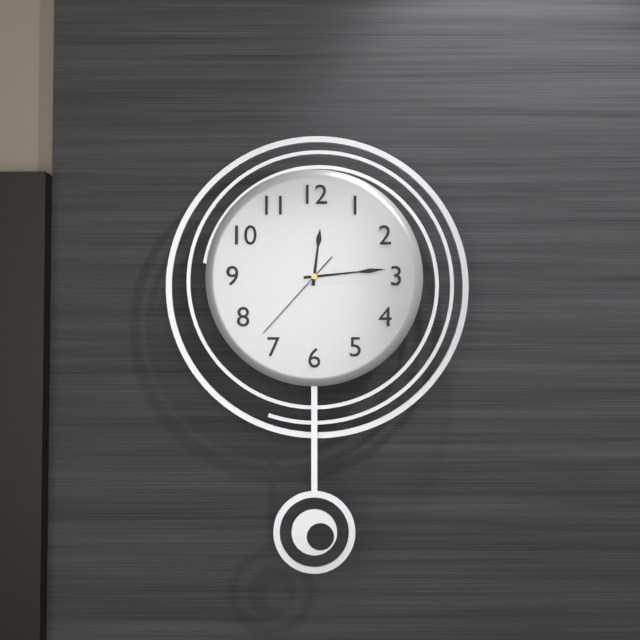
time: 12:14:37
